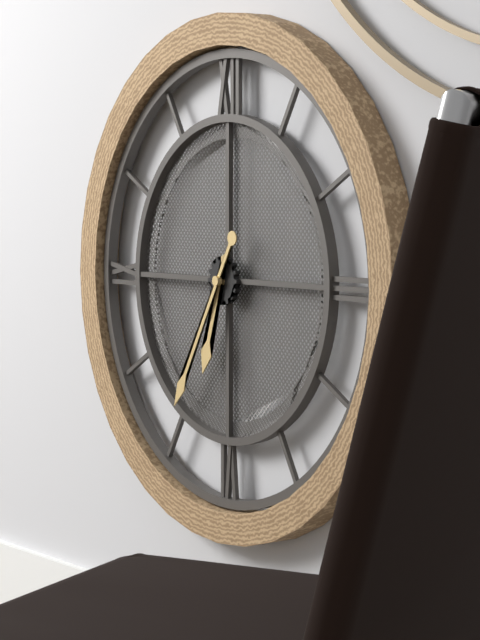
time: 6:35
